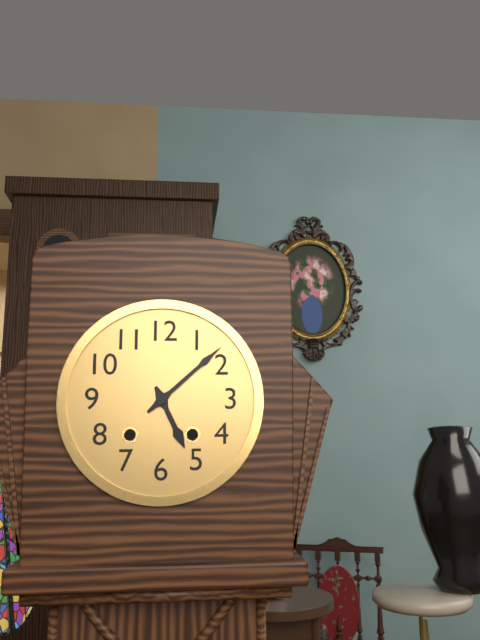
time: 5:08
